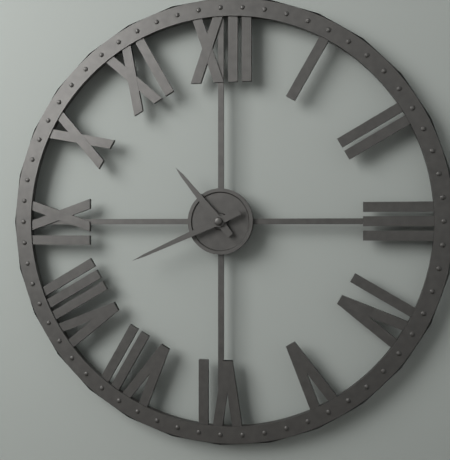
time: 10:41
